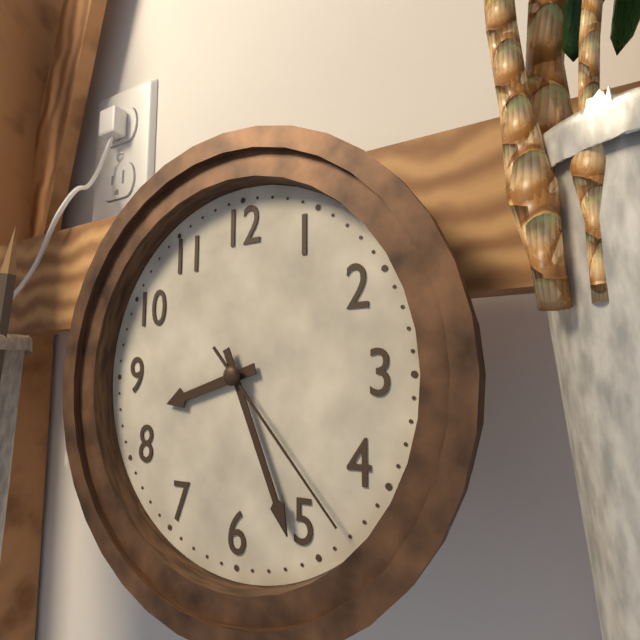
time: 8:26:23
